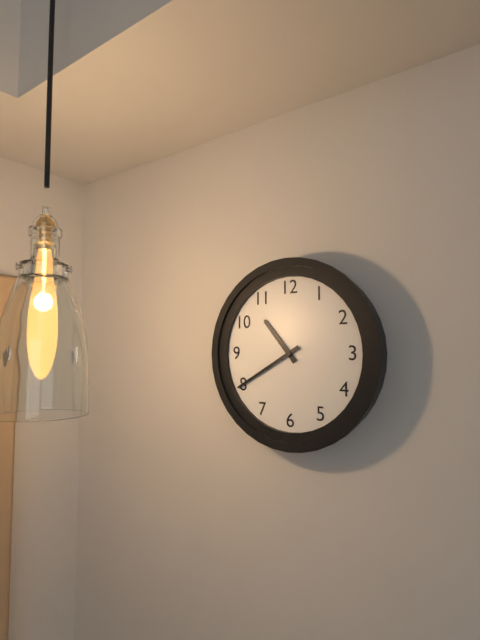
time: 10:40
